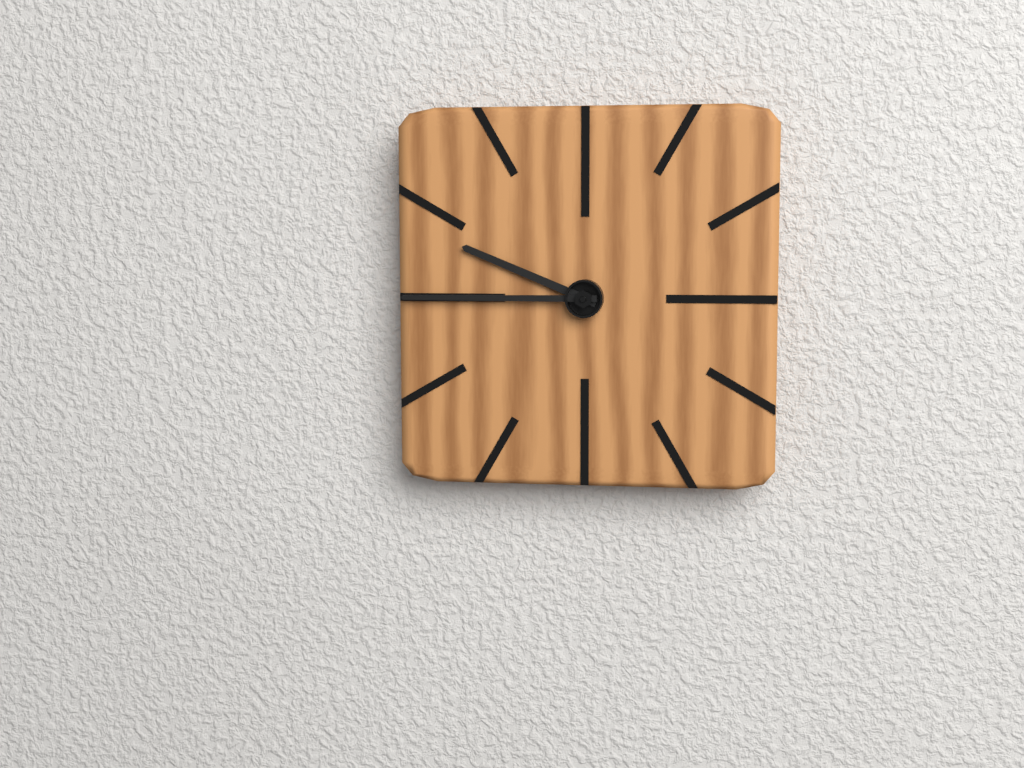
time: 9:45
